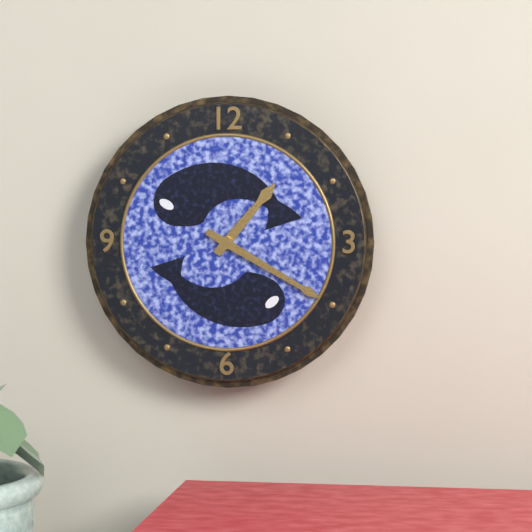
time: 1:20
